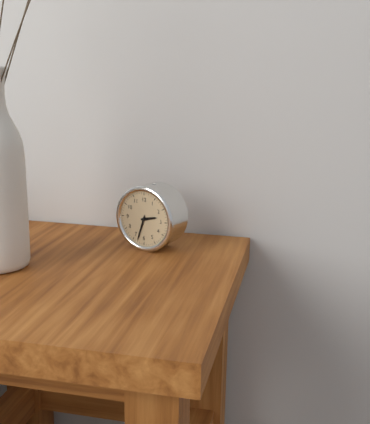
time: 2:33
